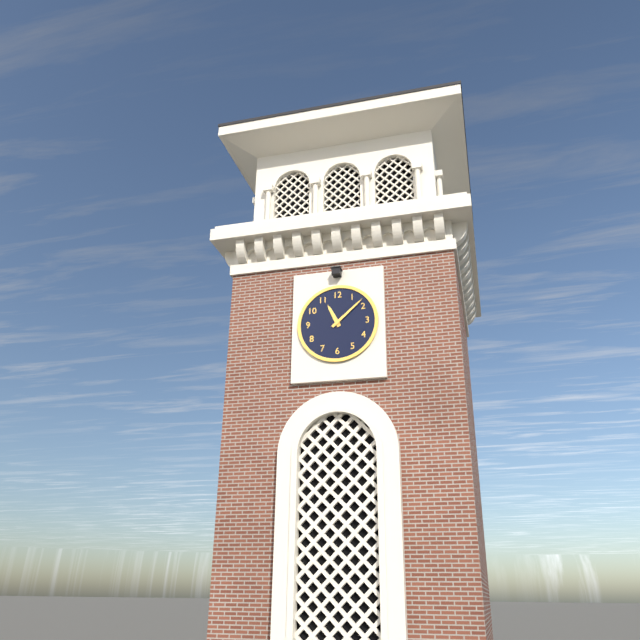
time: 11:08
